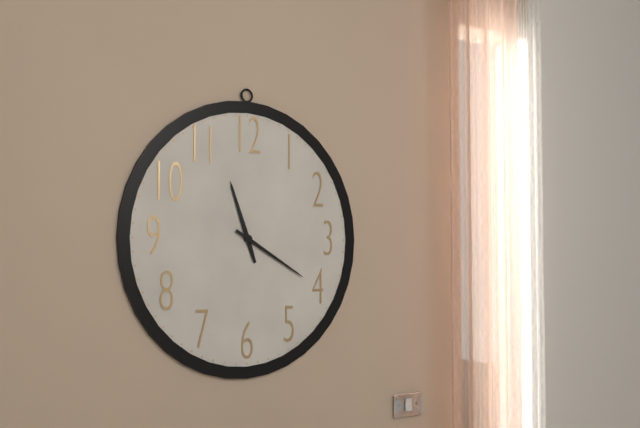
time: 11:20
